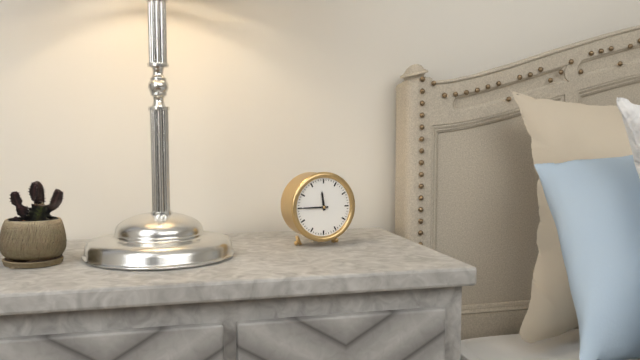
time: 11:45
